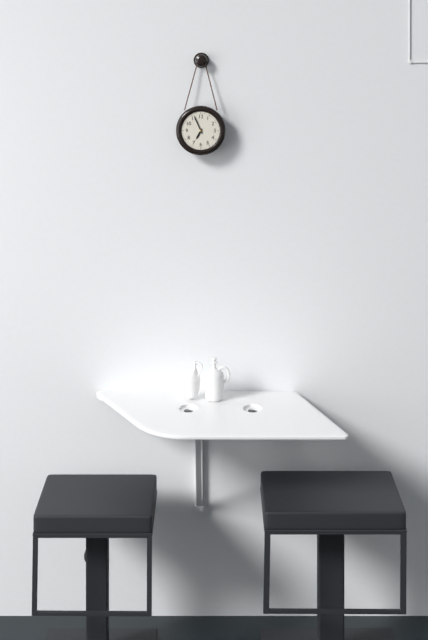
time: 6:56
